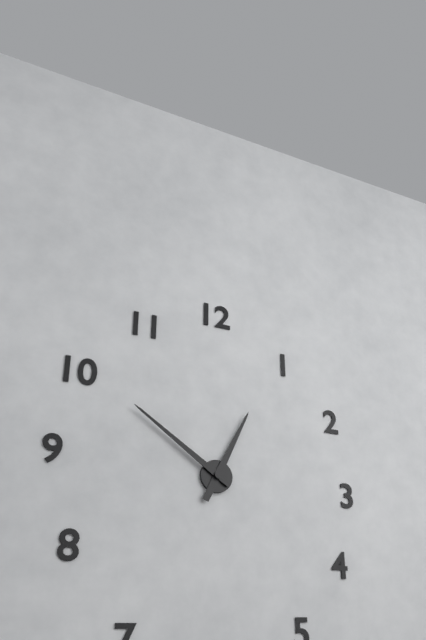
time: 12:51
